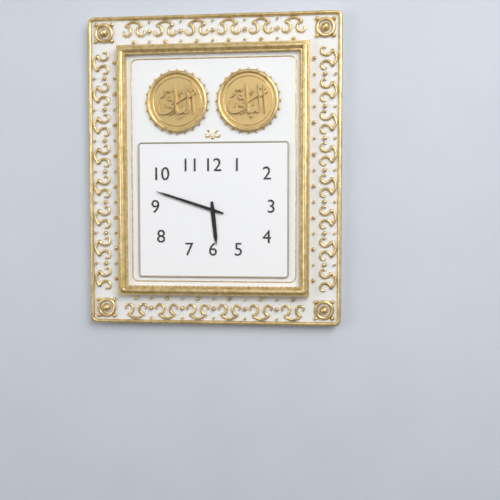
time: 5:48
